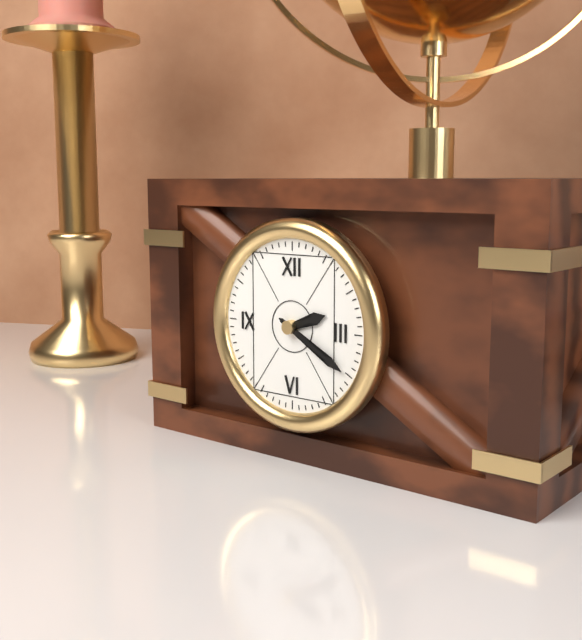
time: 2:20
